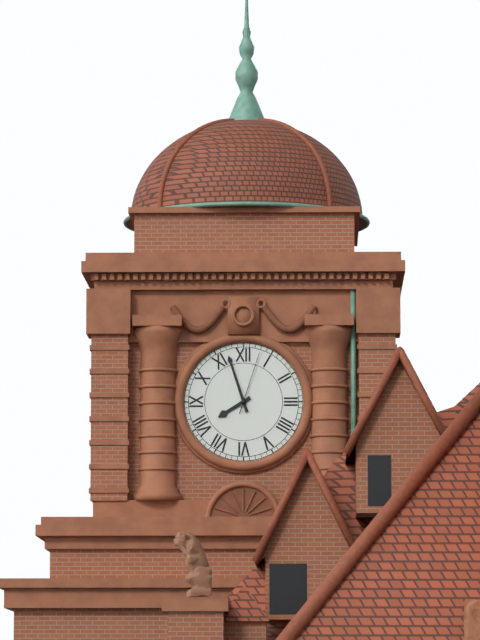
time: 7:57:03
